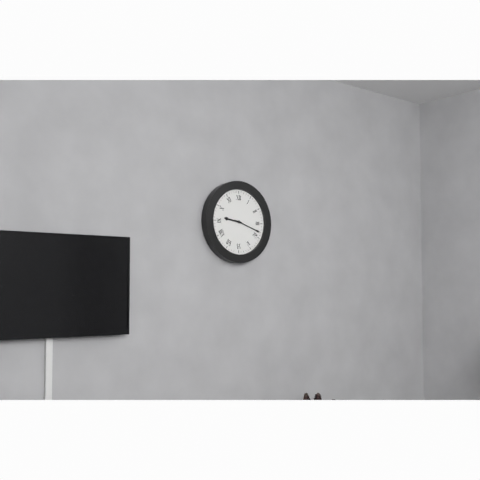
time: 9:18
